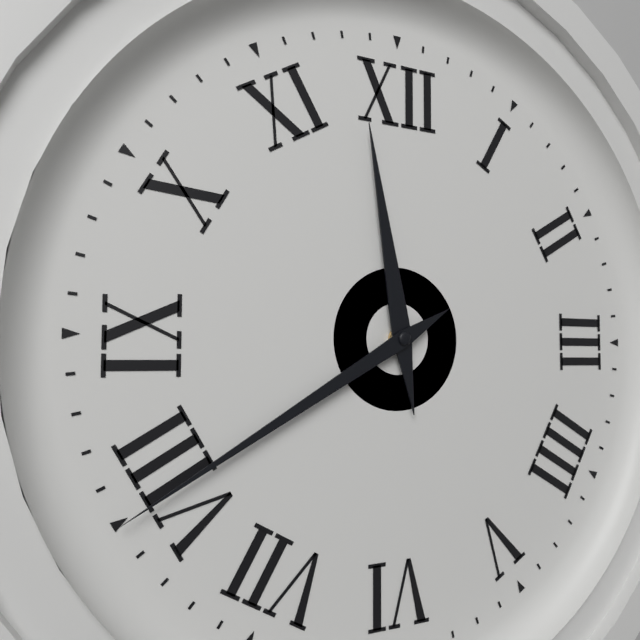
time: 11:40
